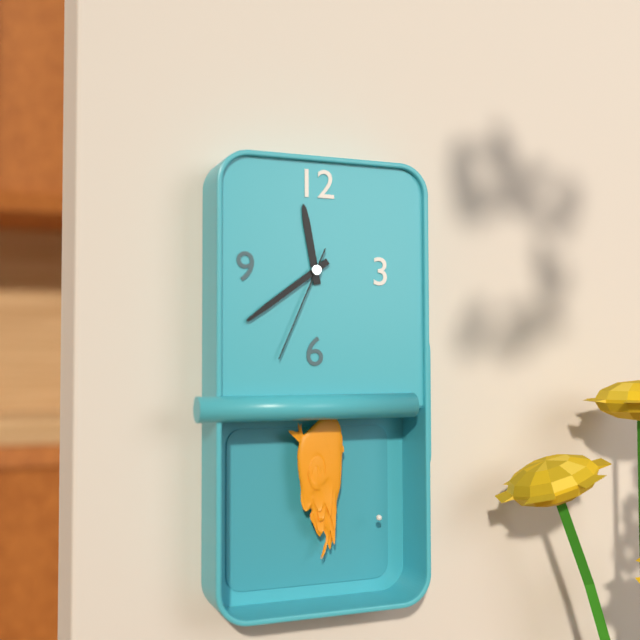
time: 11:39:34
